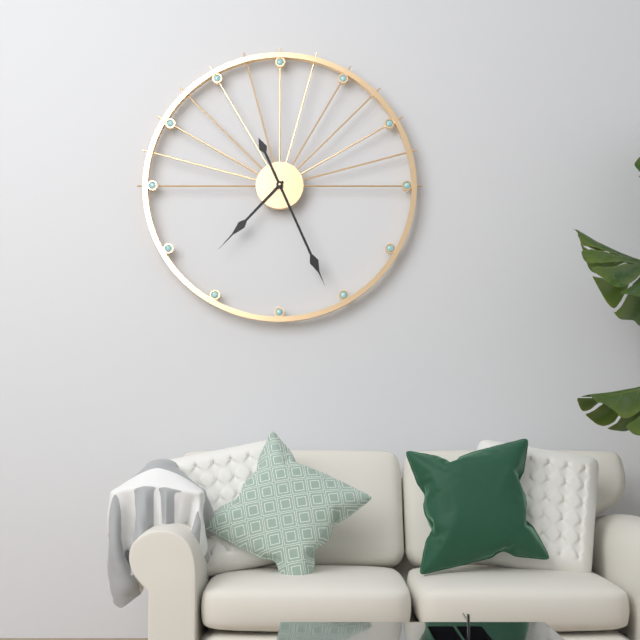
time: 7:26
